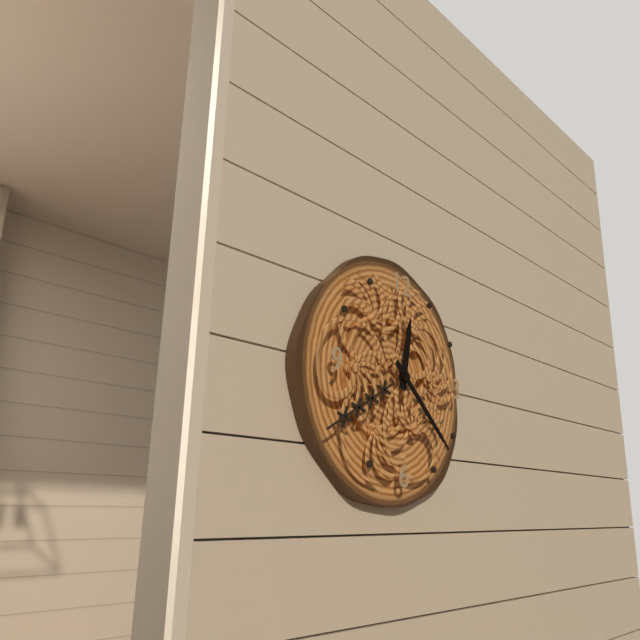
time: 12:22
